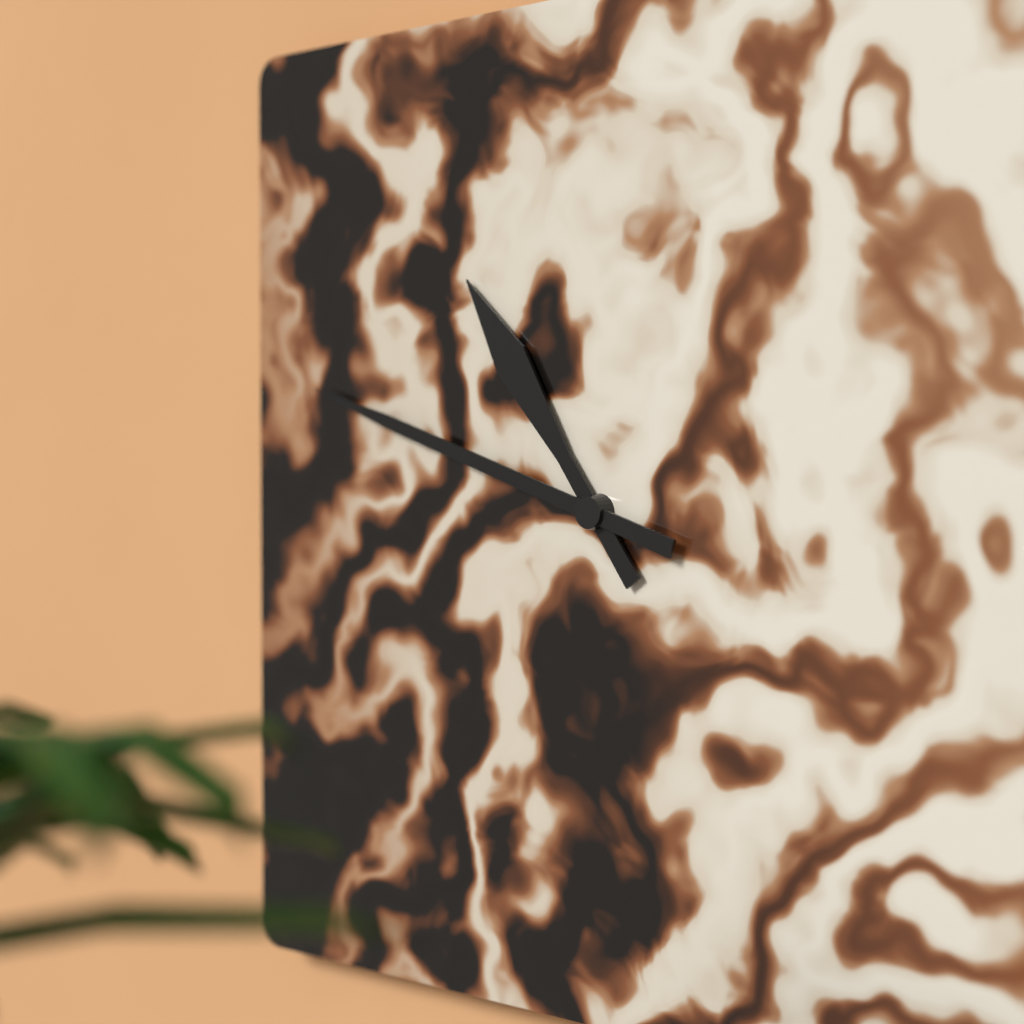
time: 10:48
